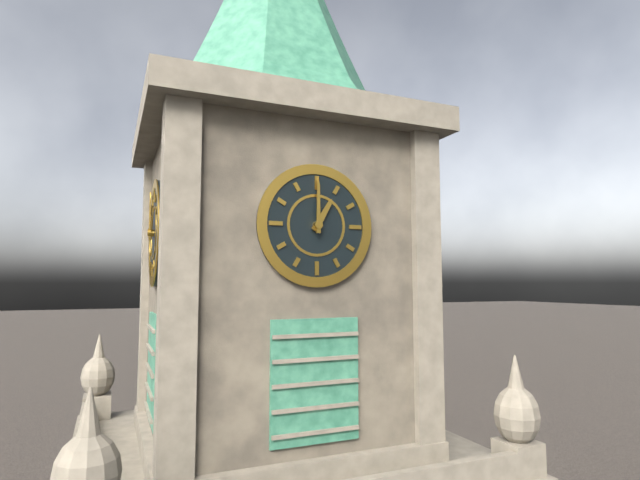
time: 1:00
